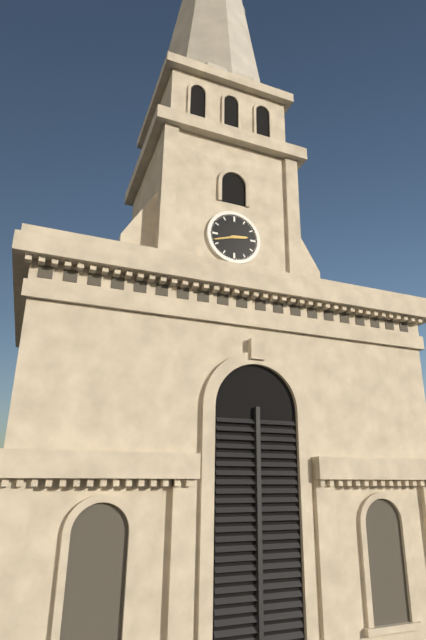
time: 2:42
